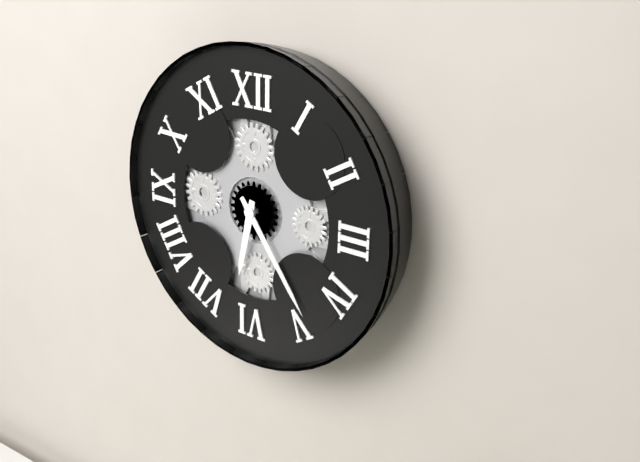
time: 6:24
